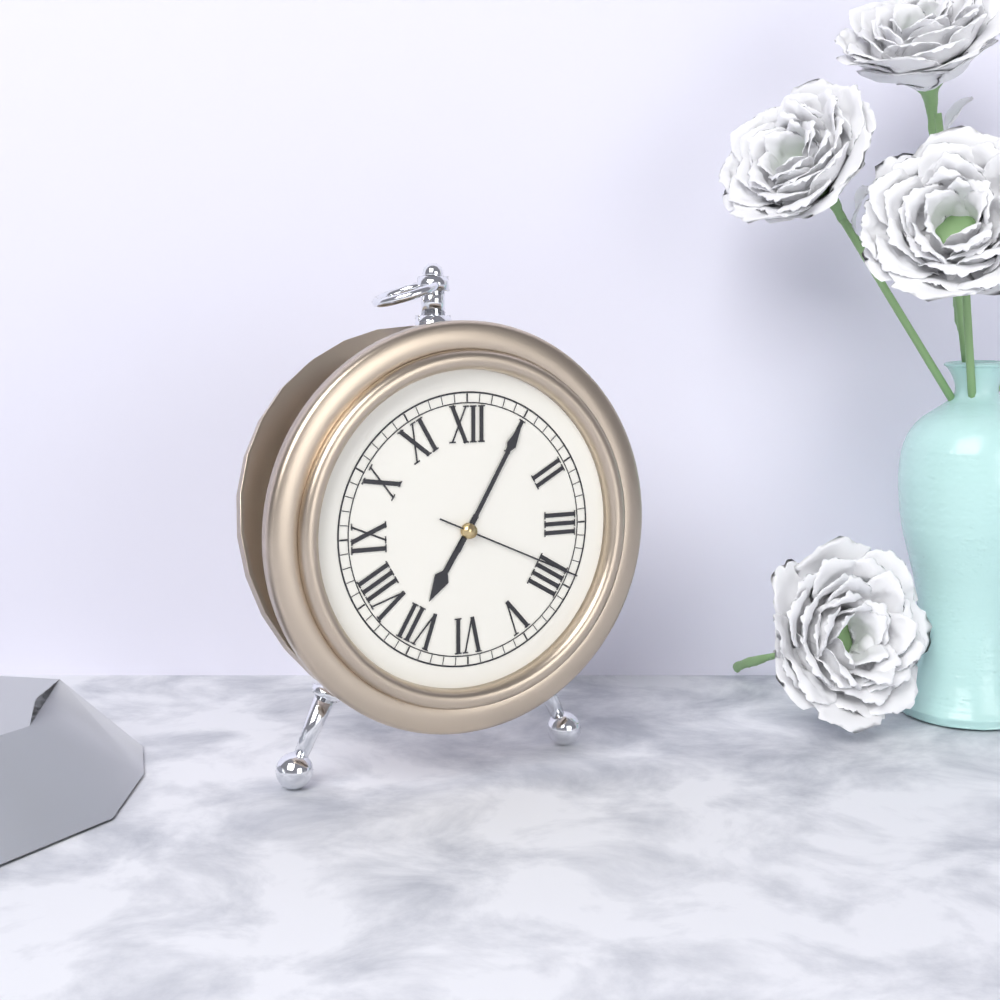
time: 7:05:19
